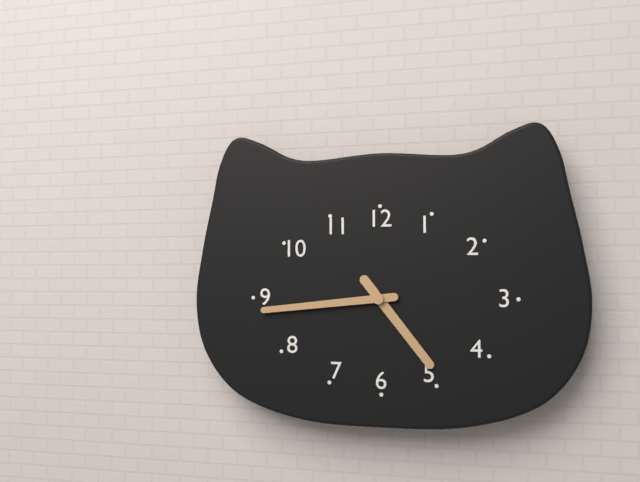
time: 4:44
